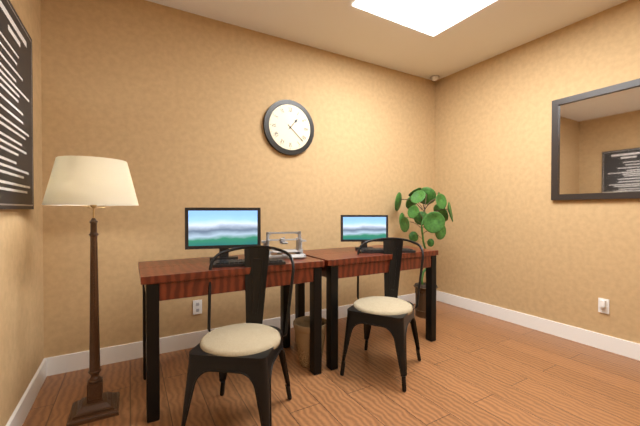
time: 1:22
